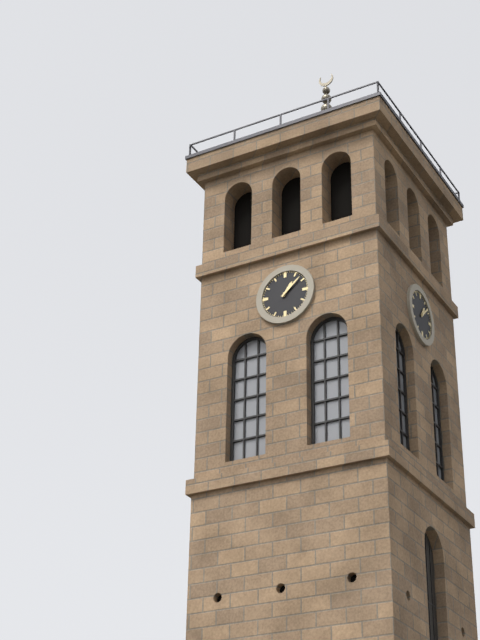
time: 1:08
